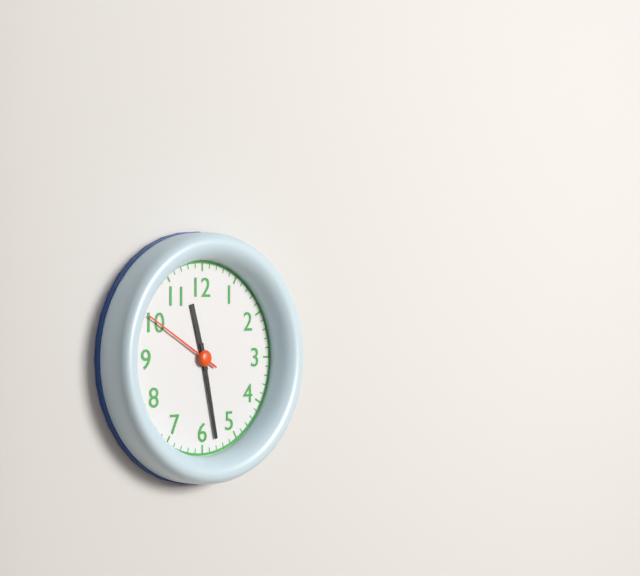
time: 11:28:50
